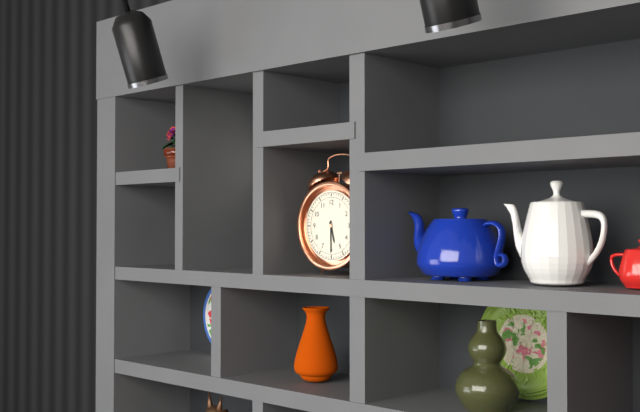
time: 5:30
